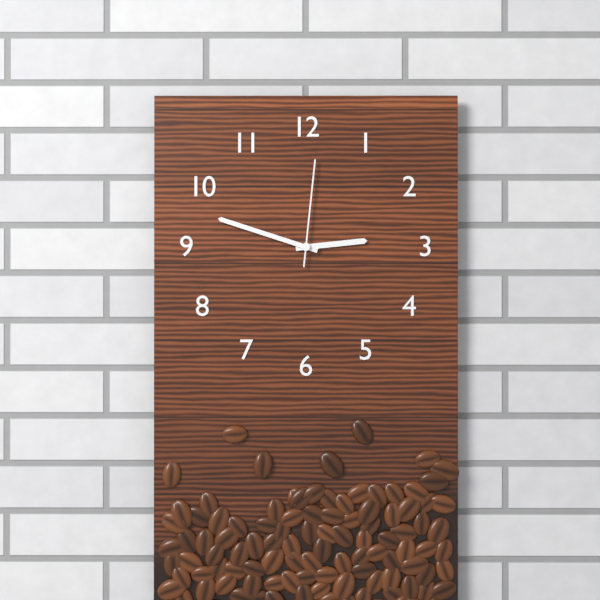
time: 2:48:01
